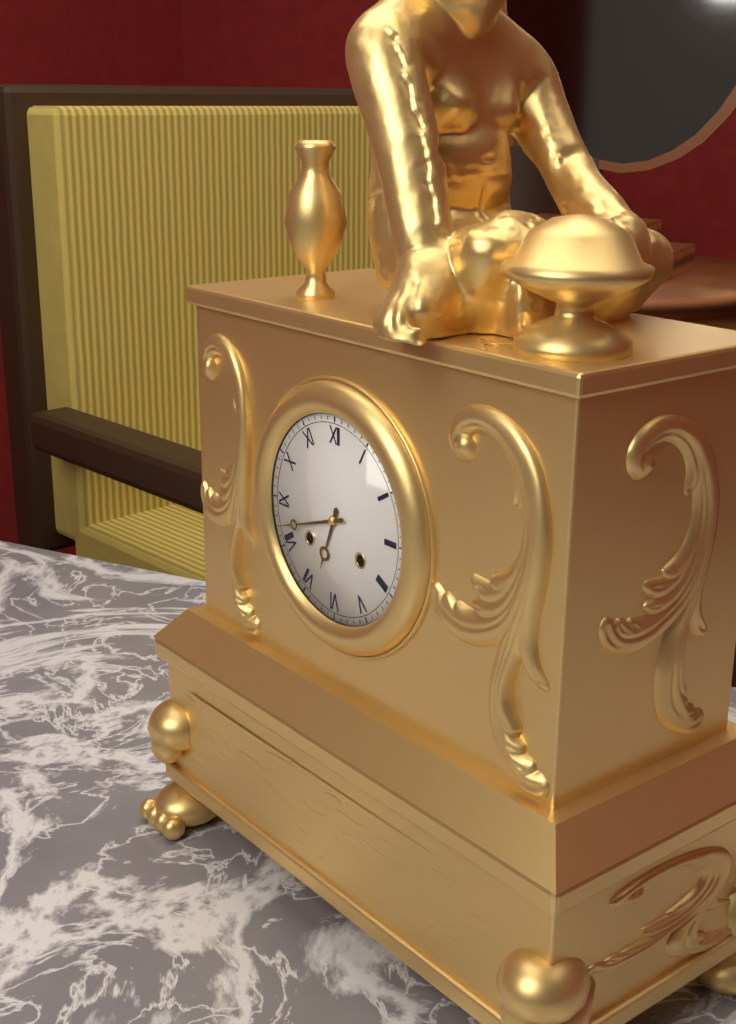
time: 6:42
